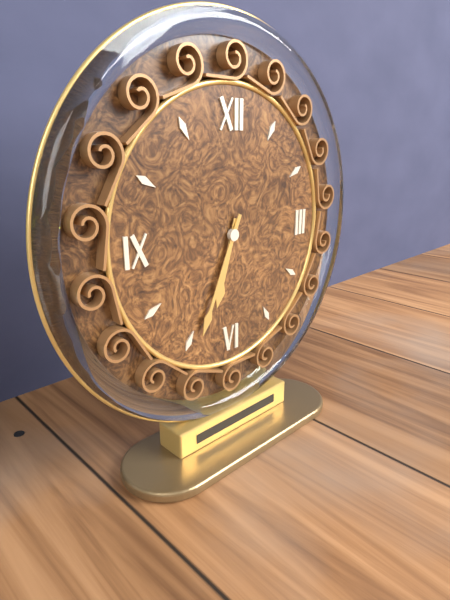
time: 6:34
